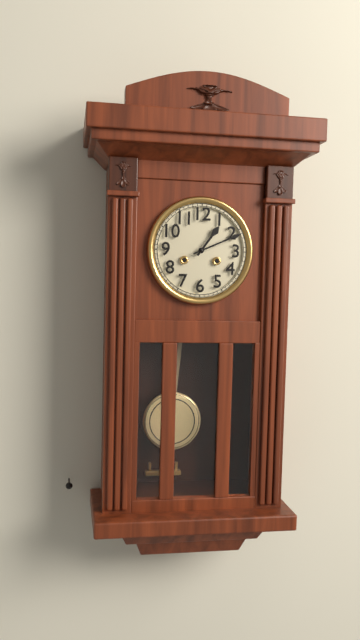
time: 1:11
